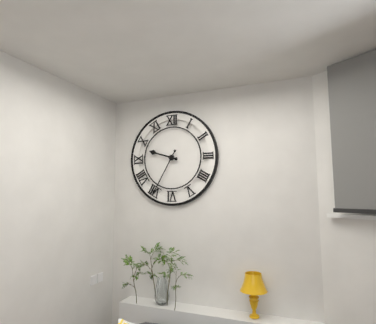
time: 9:35
